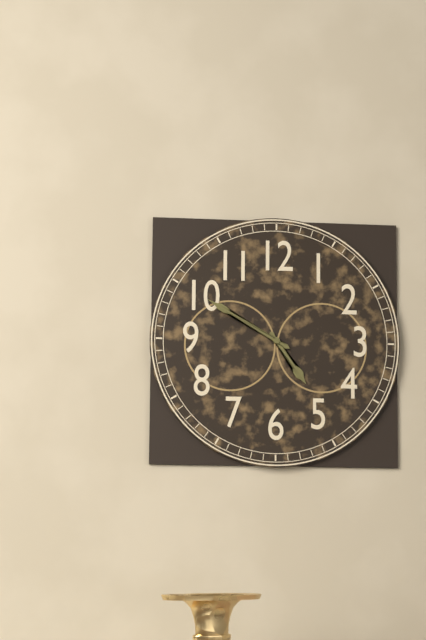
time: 4:50
